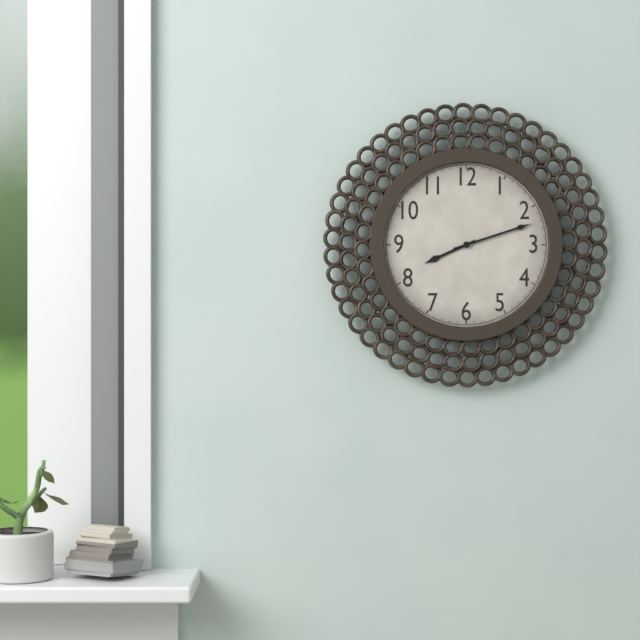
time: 8:12
